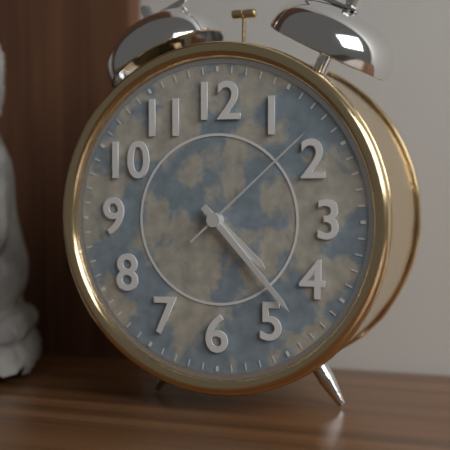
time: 4:23:08
